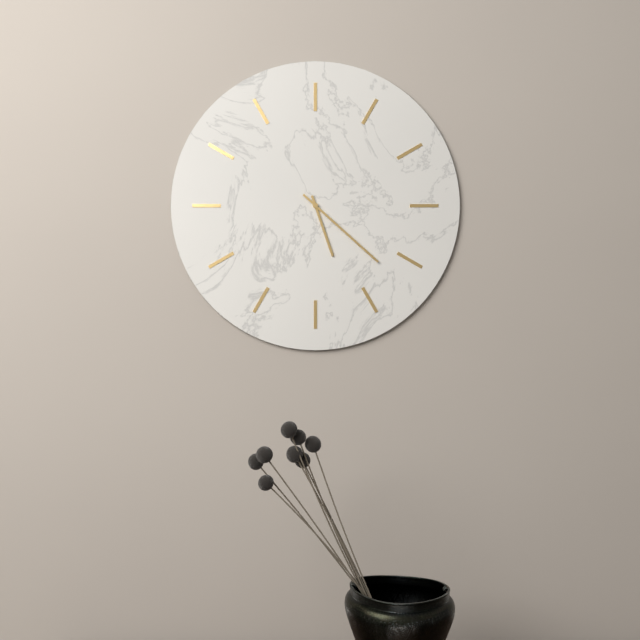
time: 5:22
